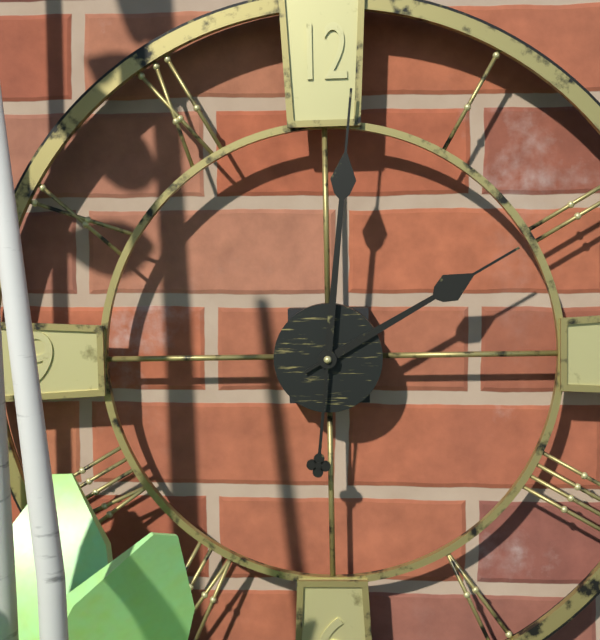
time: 2:01
